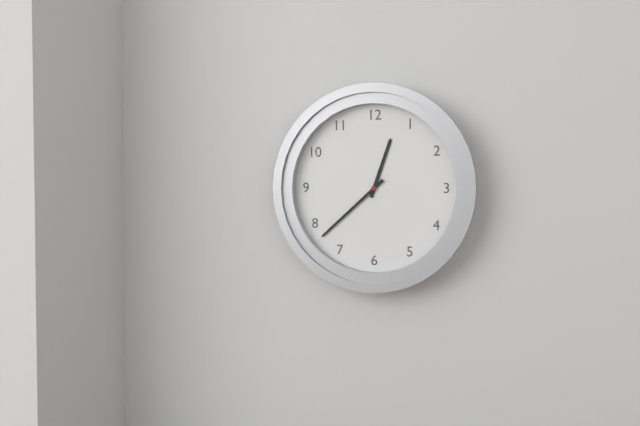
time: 12:38
